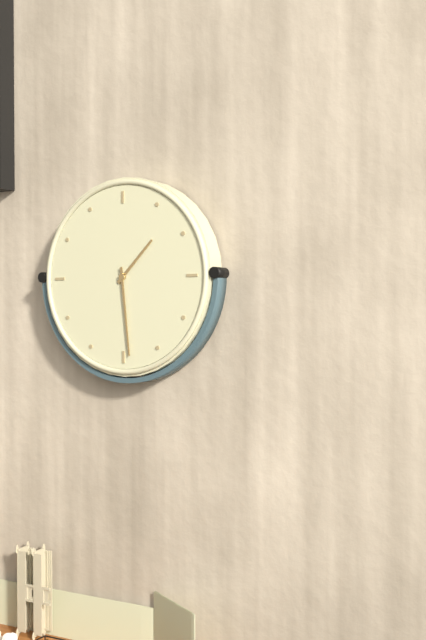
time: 1:29
